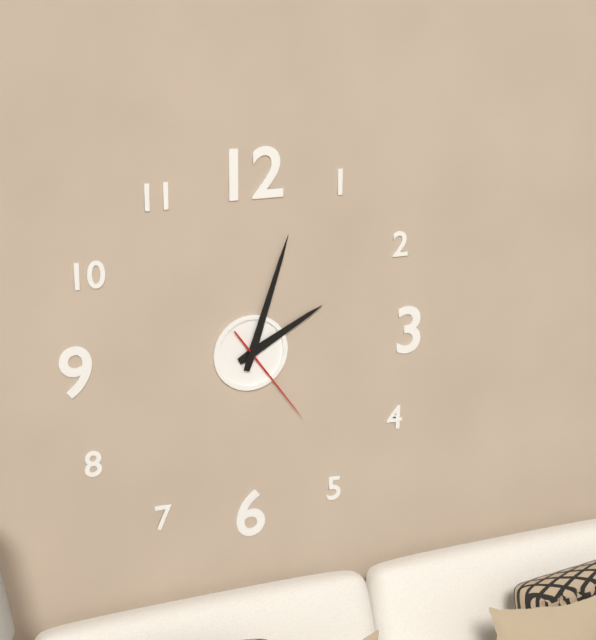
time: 2:03:24
